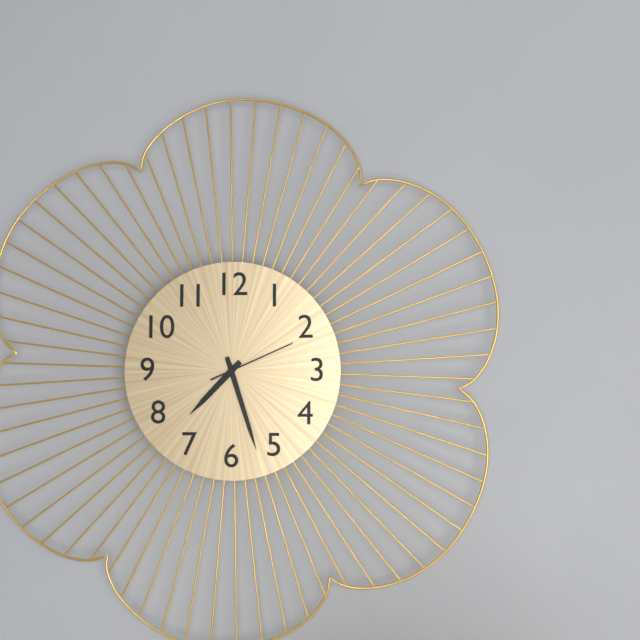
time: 7:27:11
